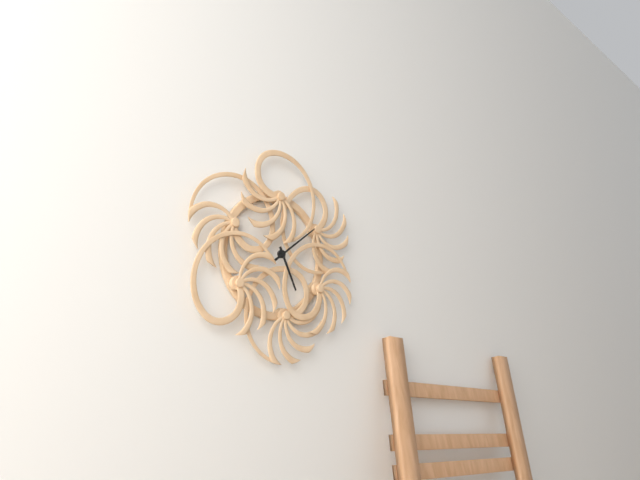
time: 5:09
